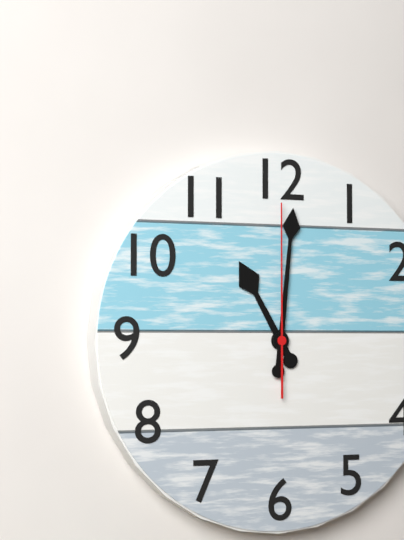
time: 11:01:00
